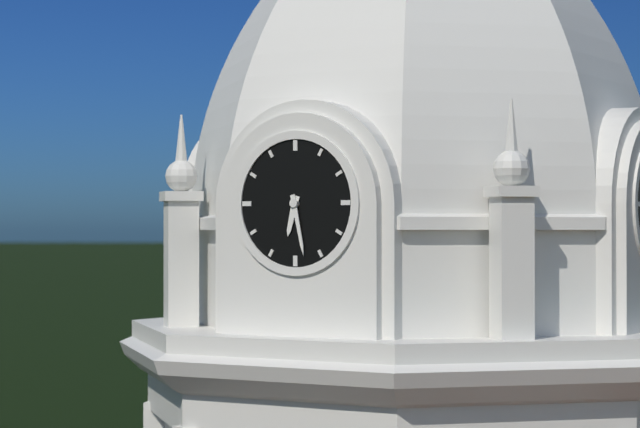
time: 6:28
